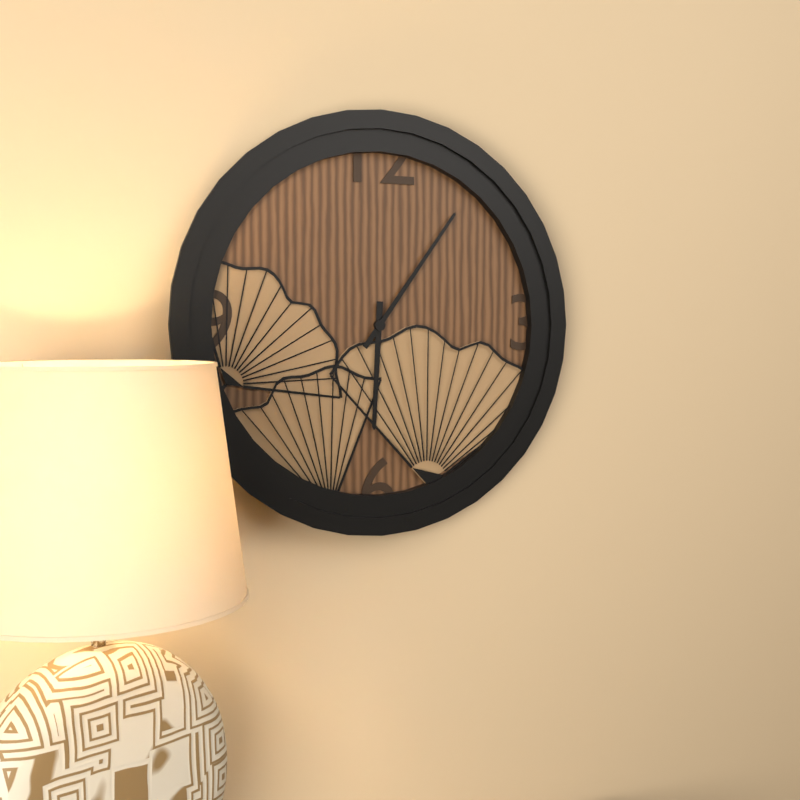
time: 6:06
